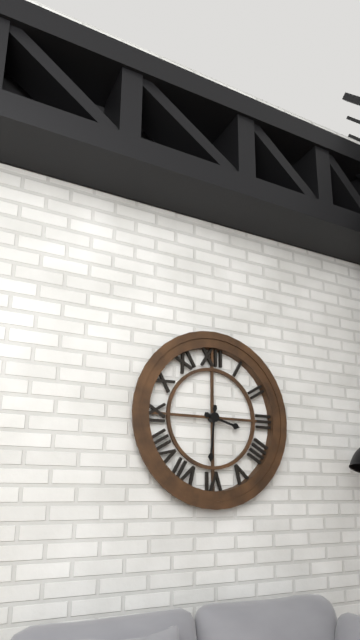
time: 3:31
